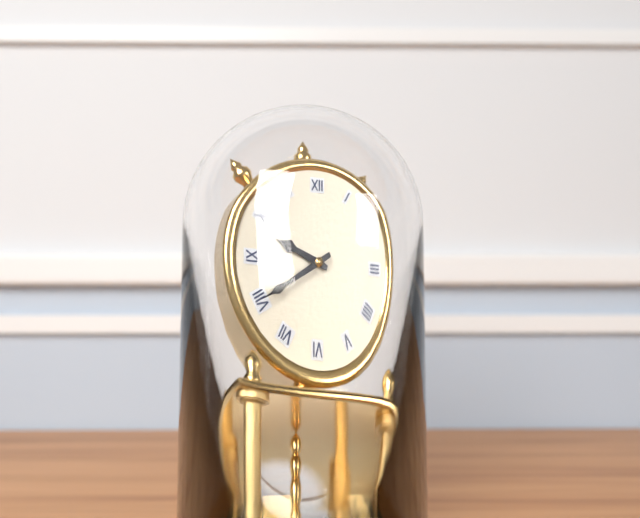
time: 9:40
